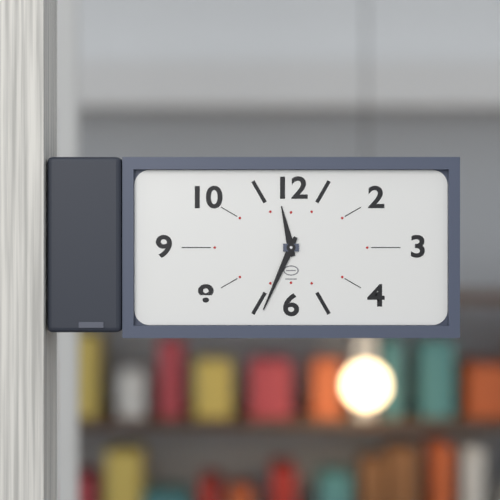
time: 11:34
